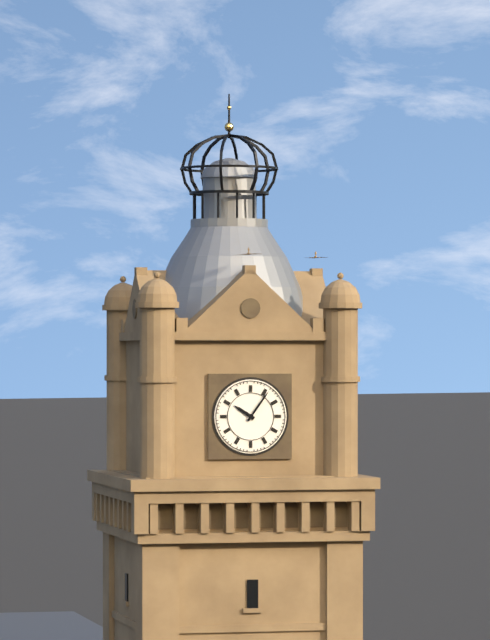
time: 10:06
